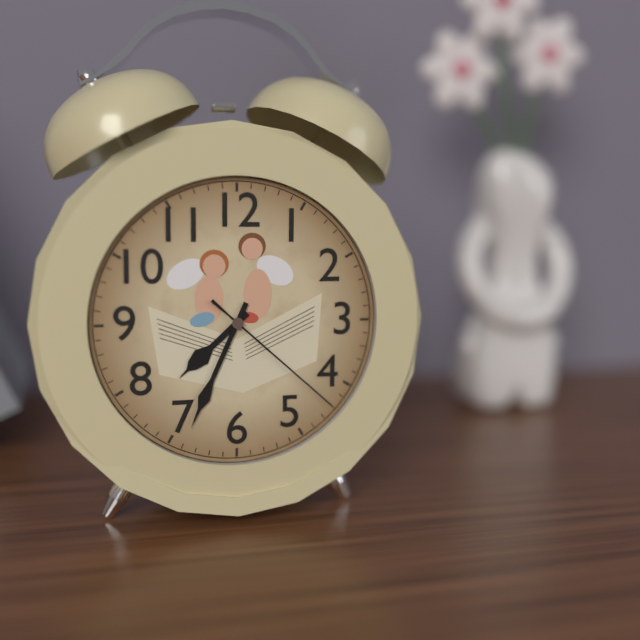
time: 7:34:22
